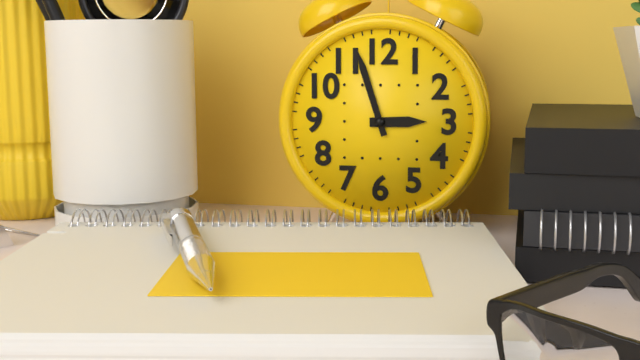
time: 2:57
